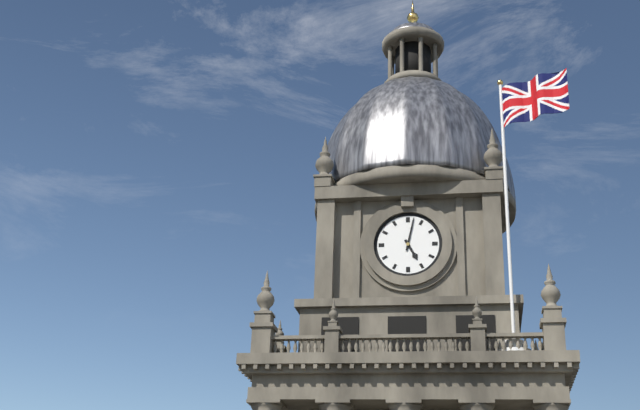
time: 5:02
